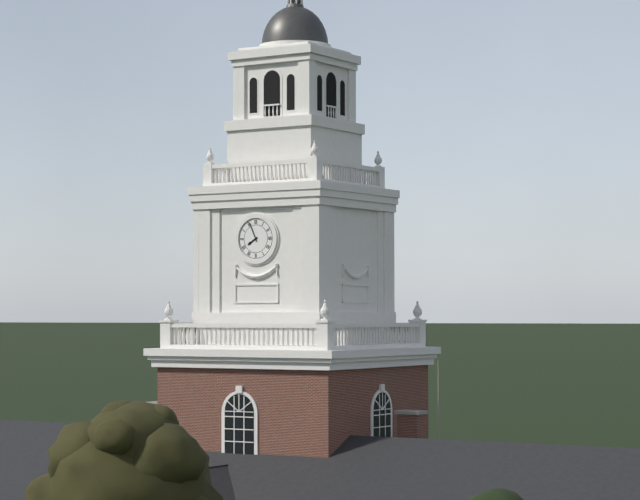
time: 7:56
